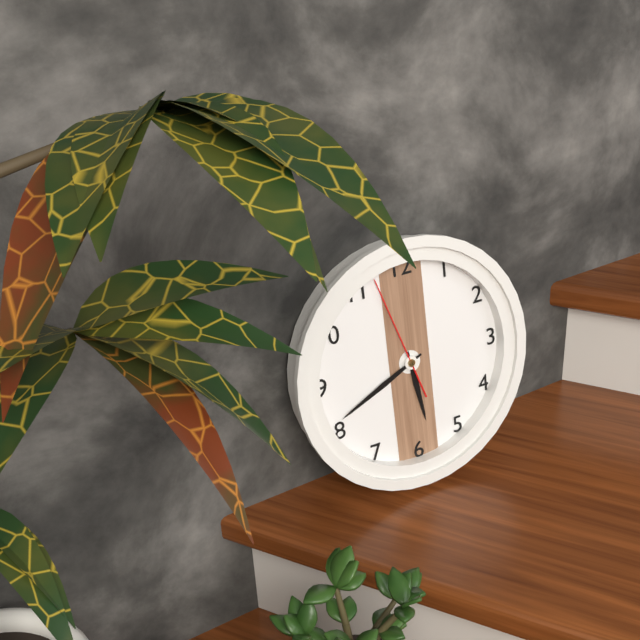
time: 5:41:57
